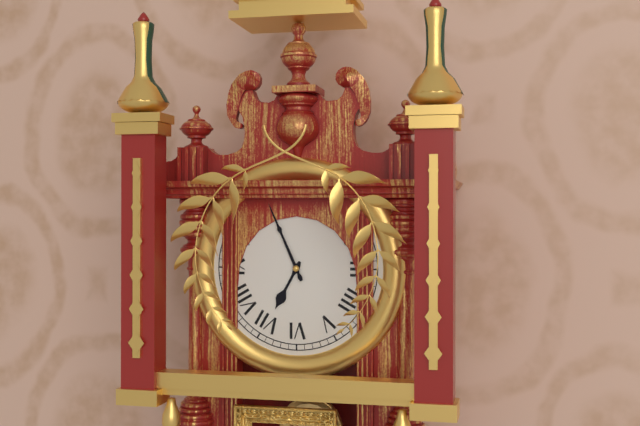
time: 6:56
